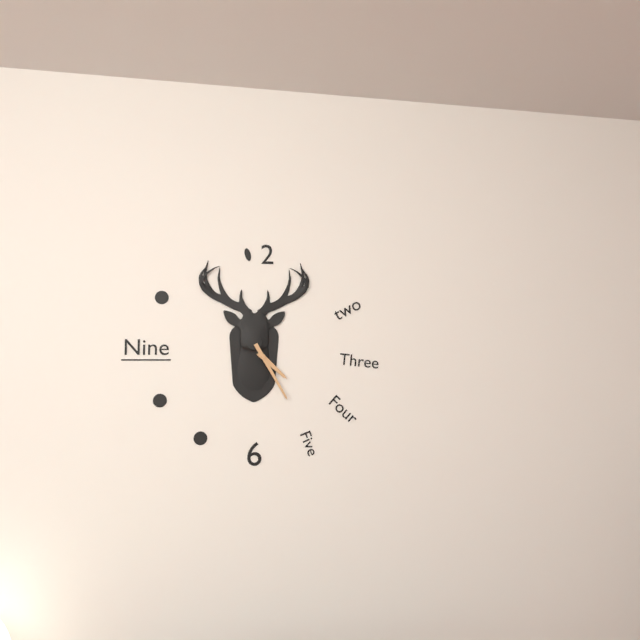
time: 4:25
